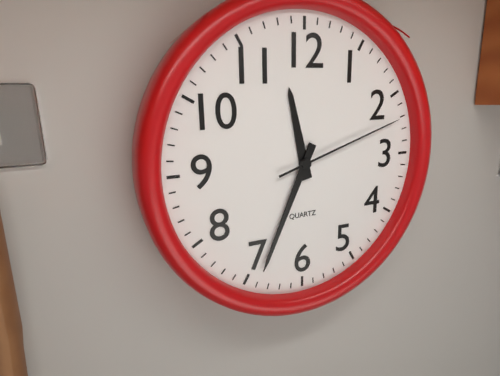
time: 11:34:12
